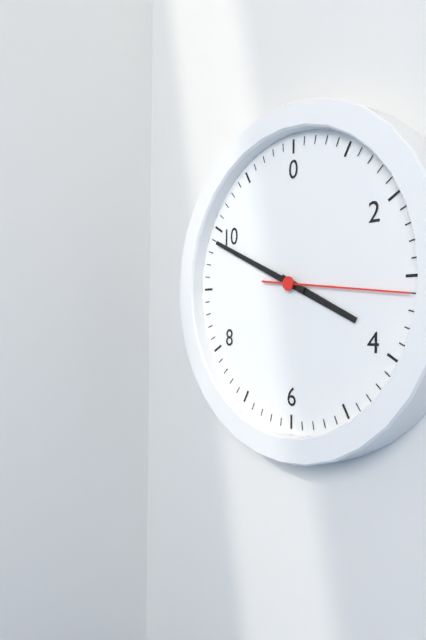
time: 3:49:16
